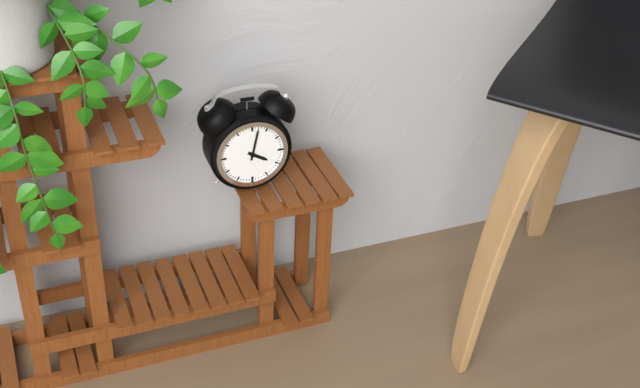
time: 4:02
